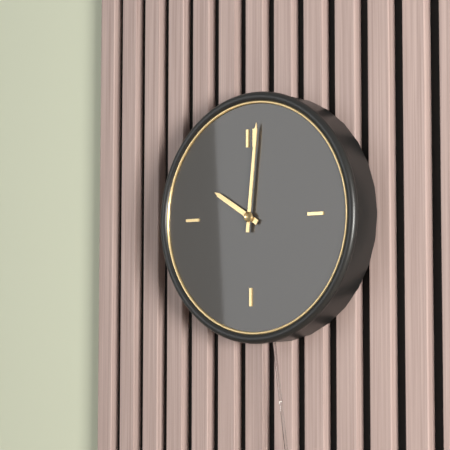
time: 10:01
